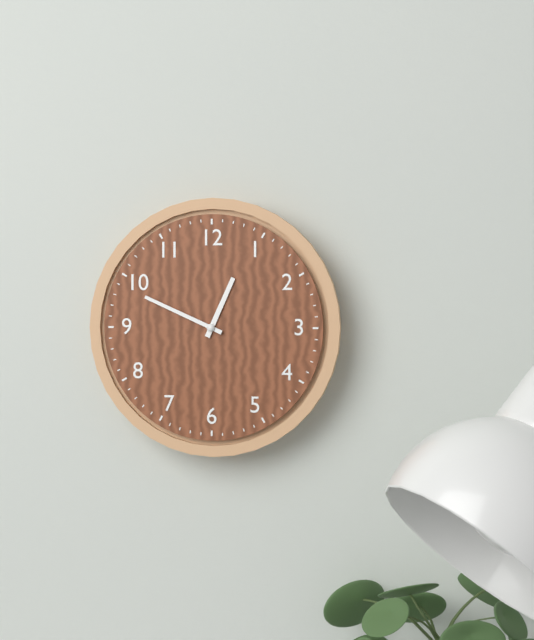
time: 12:49
